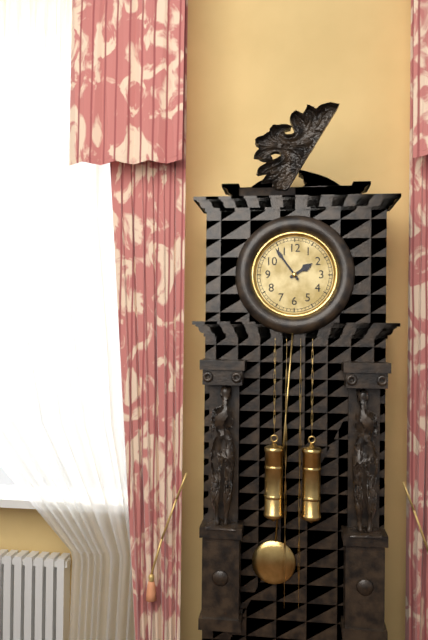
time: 1:54
